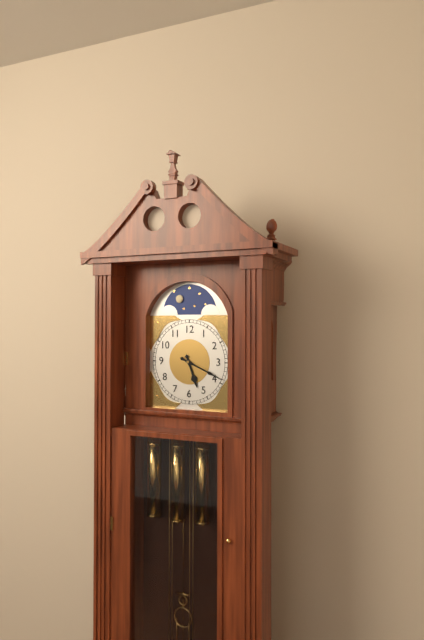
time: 5:19
